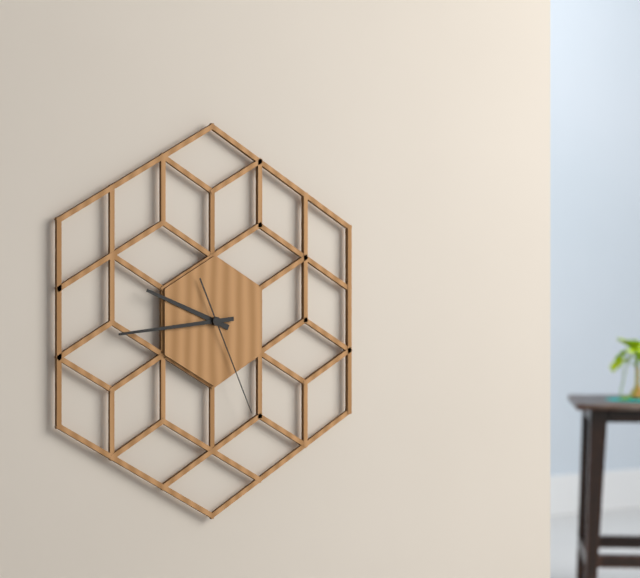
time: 9:44:26
